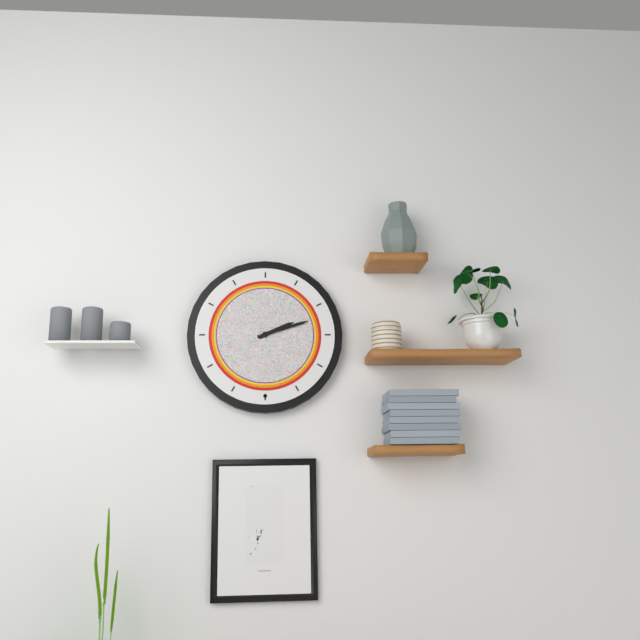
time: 2:12
